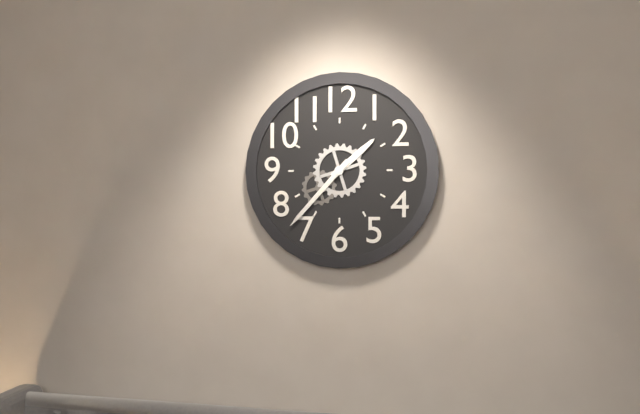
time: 1:37
